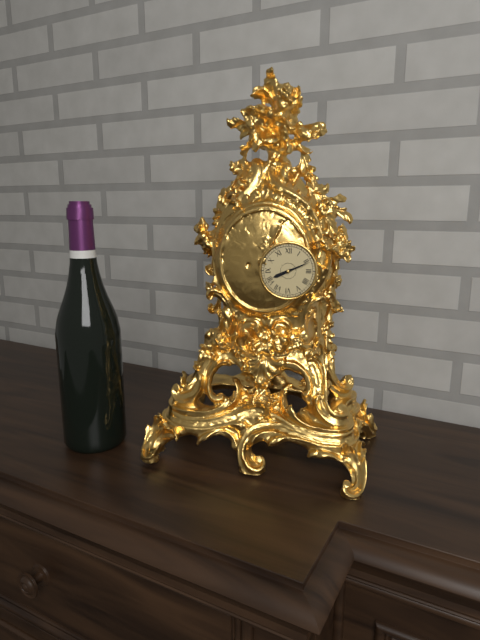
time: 8:11
